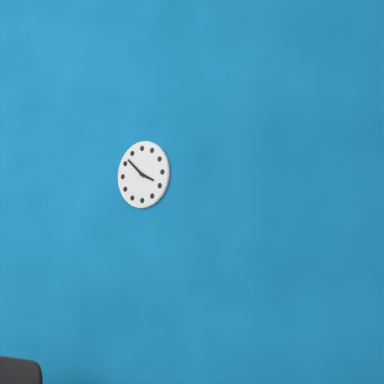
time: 3:52
